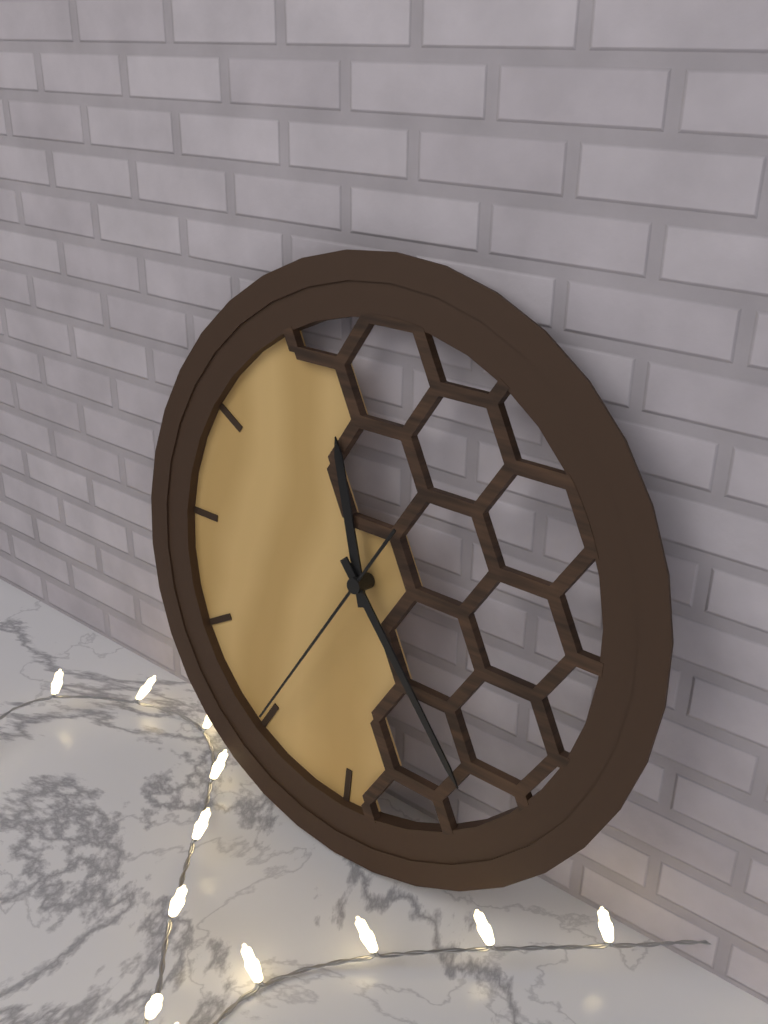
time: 11:23:35
